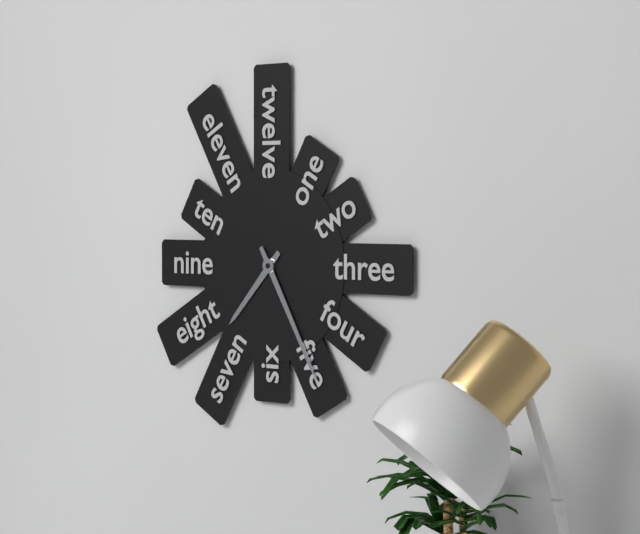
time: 7:25
